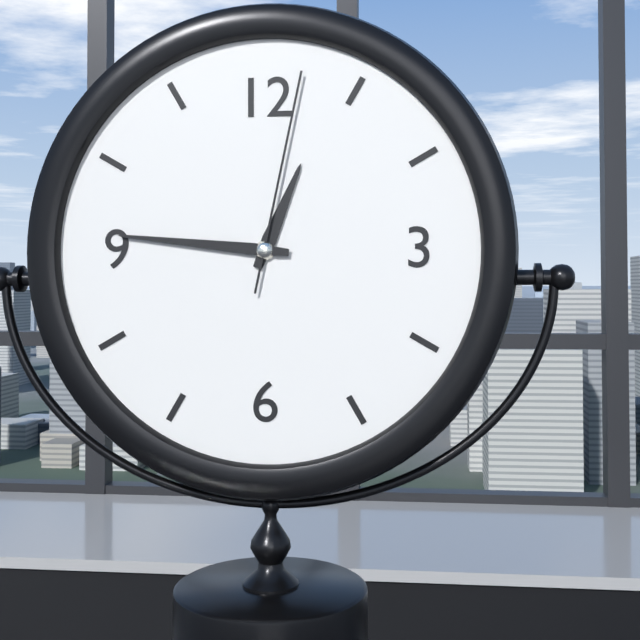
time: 12:46:02
